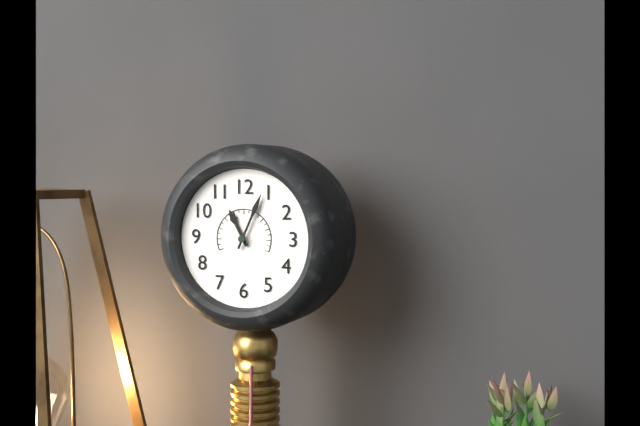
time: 11:04
